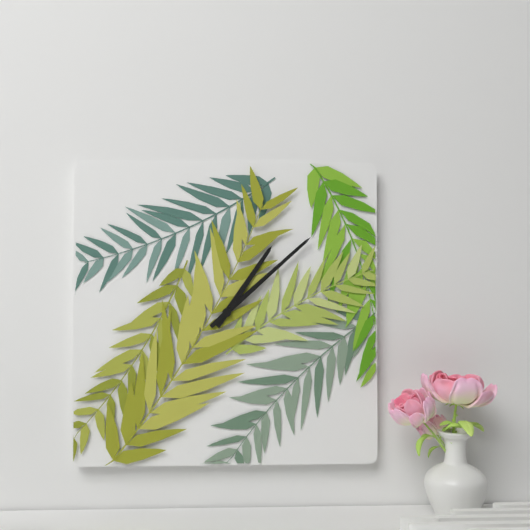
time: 1:08
